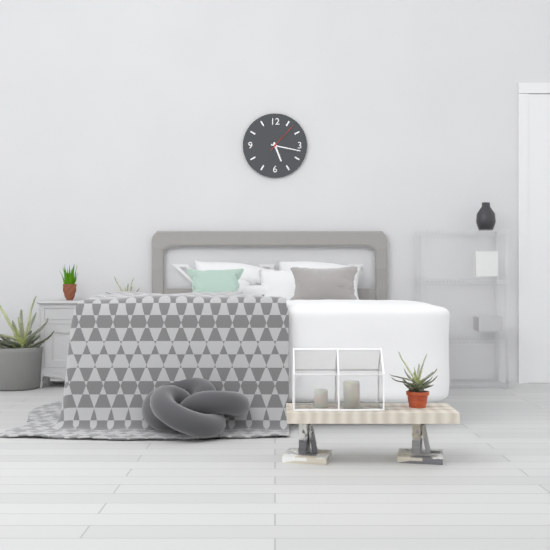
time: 5:17
